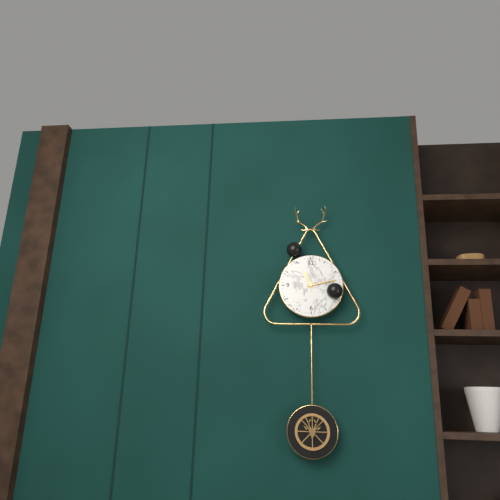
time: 11:13
